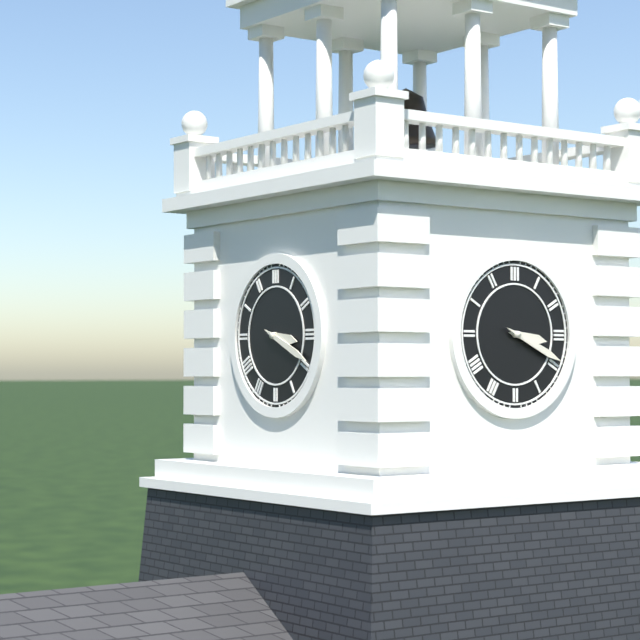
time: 3:19
